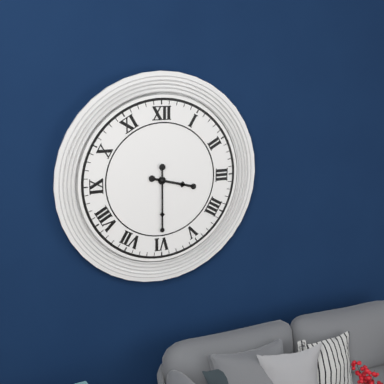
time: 3:30
